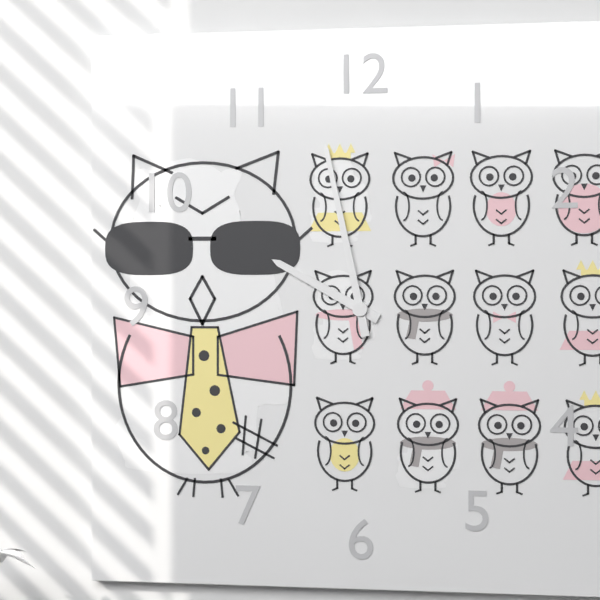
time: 9:58
